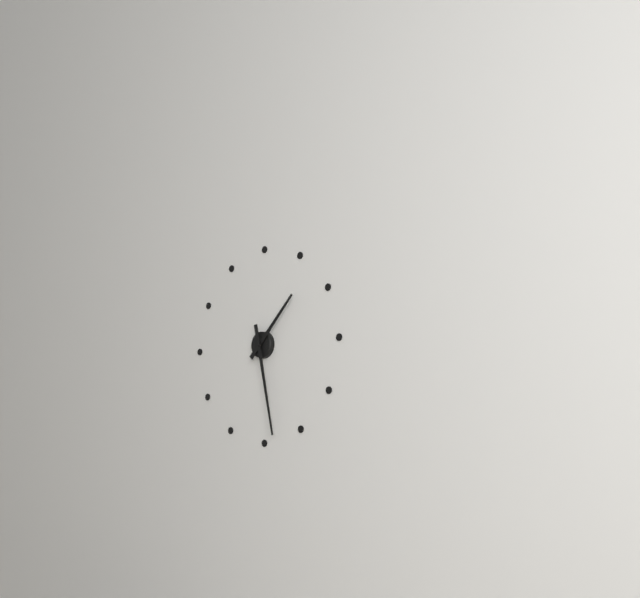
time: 1:28
